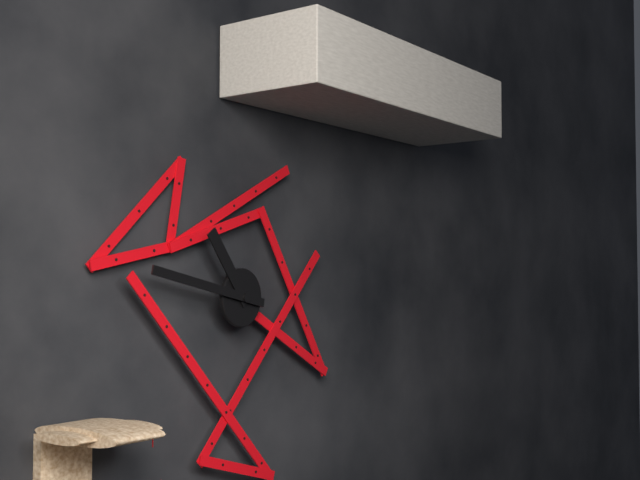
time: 10:47
